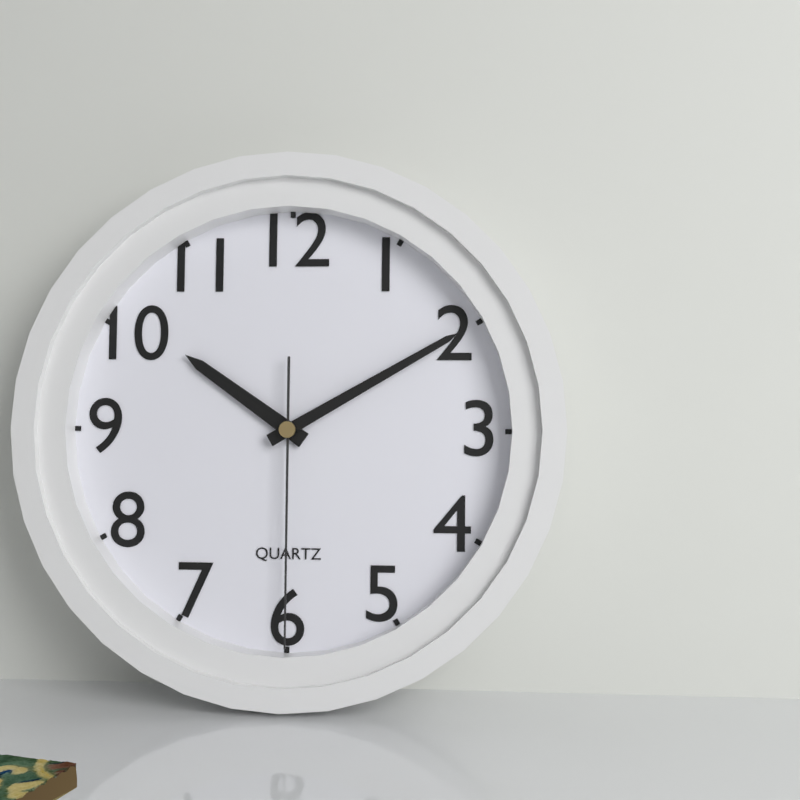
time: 10:10:30
